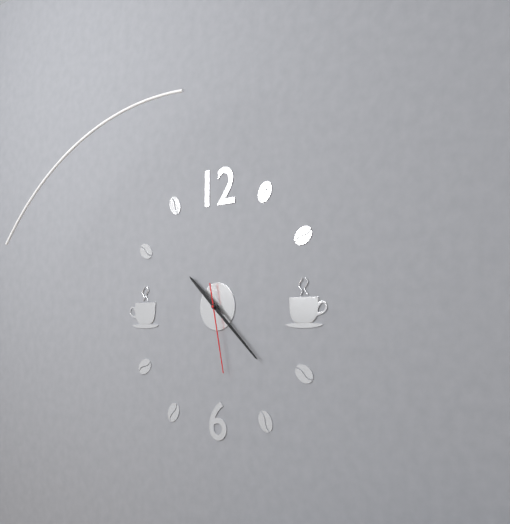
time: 10:22:28
